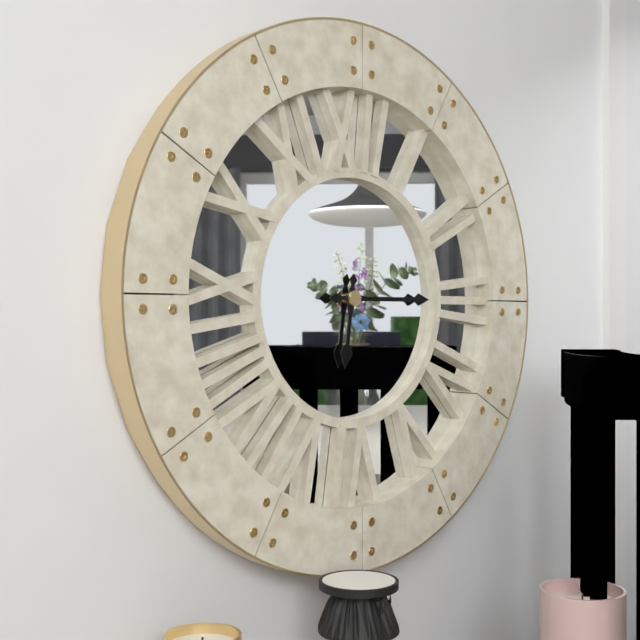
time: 6:15
